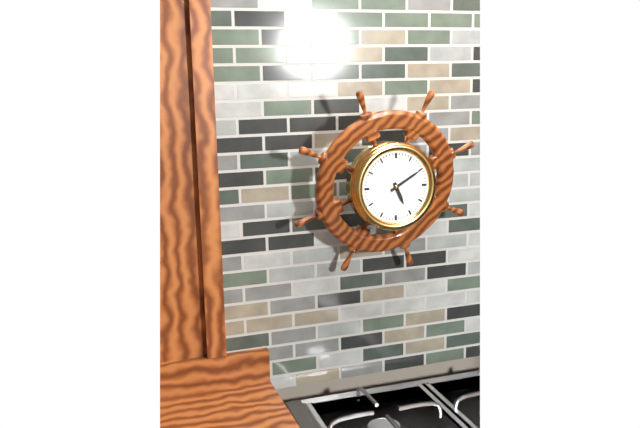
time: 5:10
